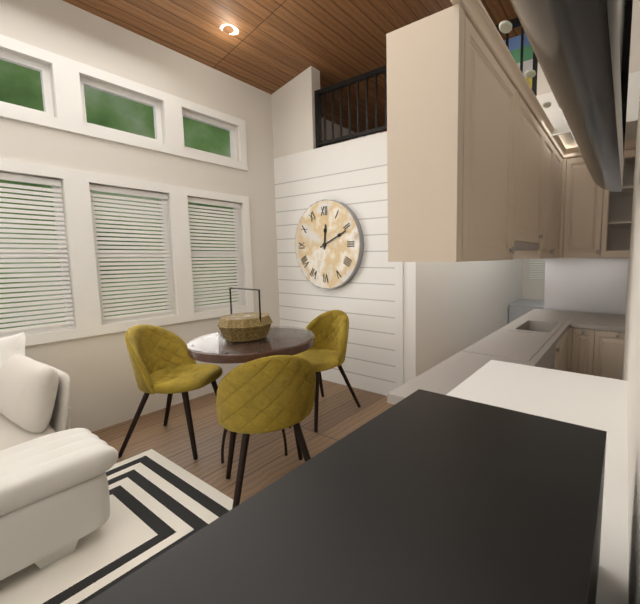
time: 12:11
